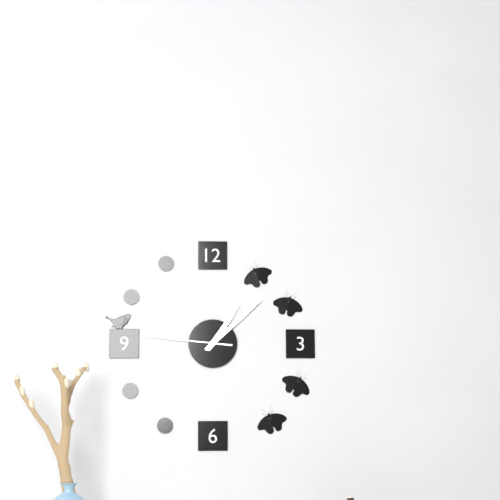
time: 1:08:46
